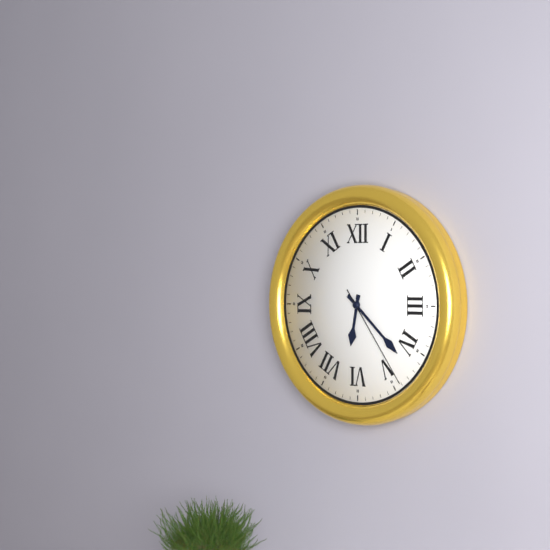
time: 6:22:24
